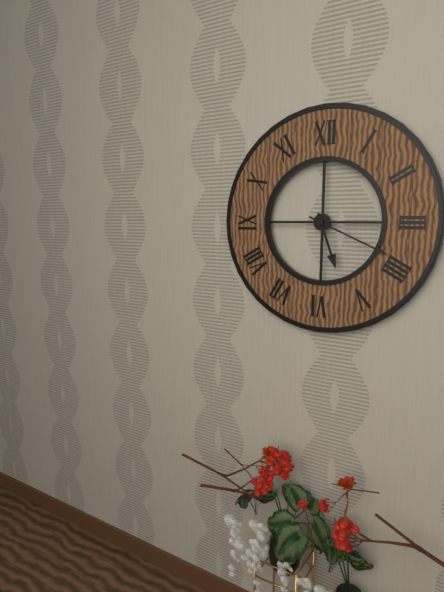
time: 5:19
